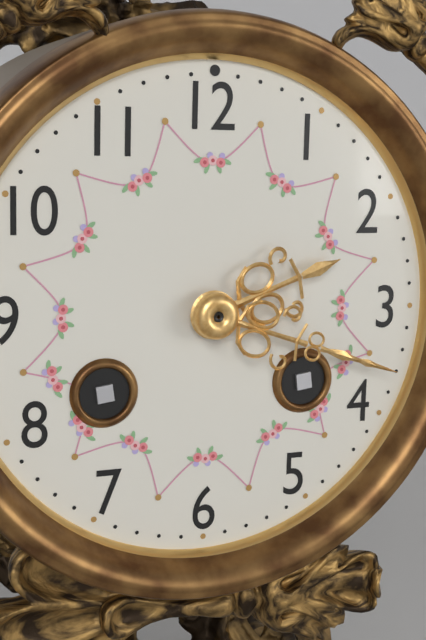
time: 2:18
